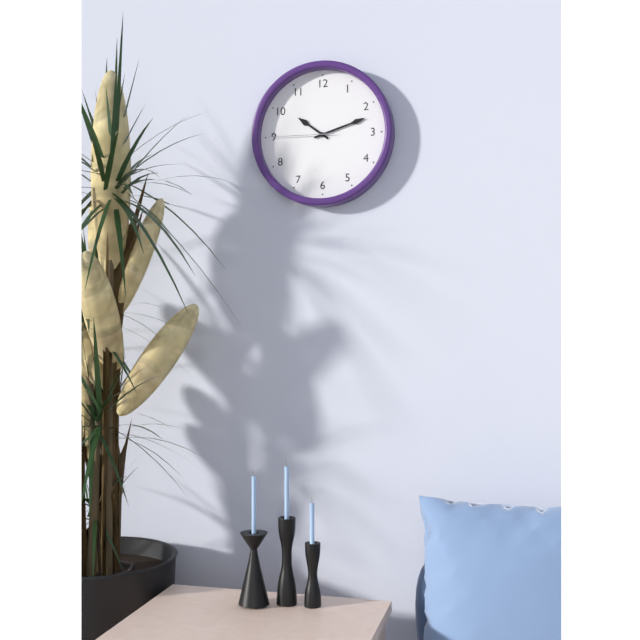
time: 10:12:45
